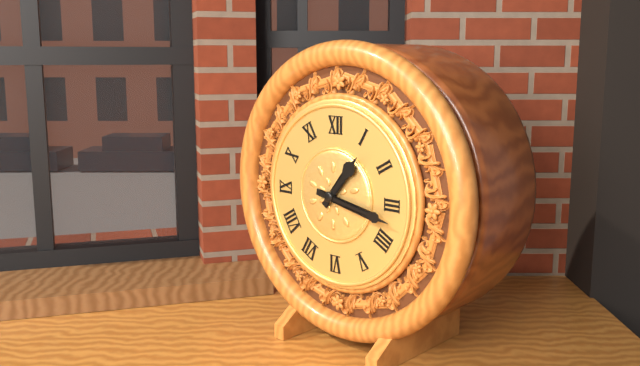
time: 1:17
